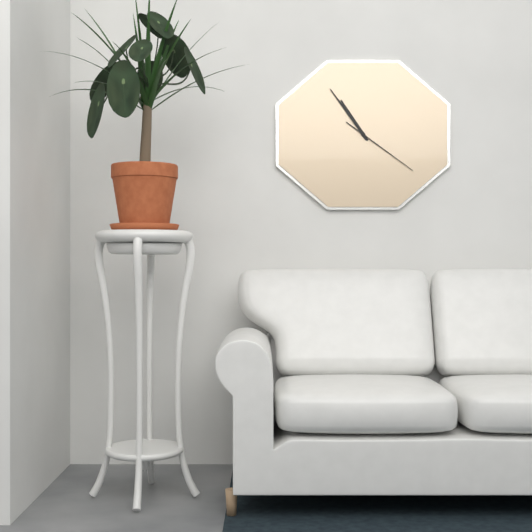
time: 10:54:21
